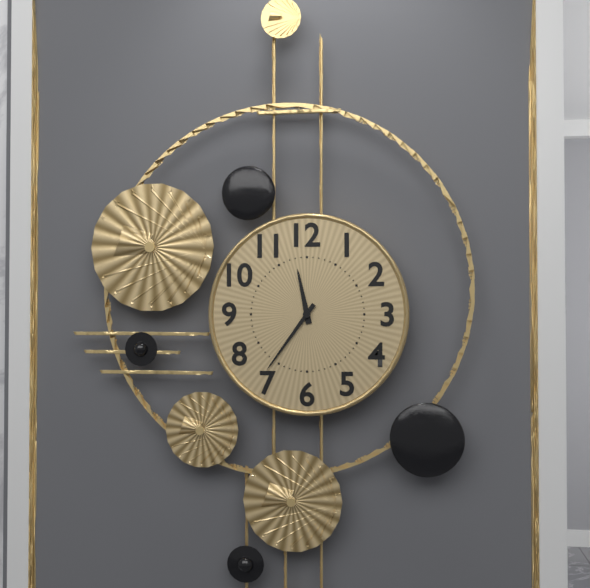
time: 11:36
